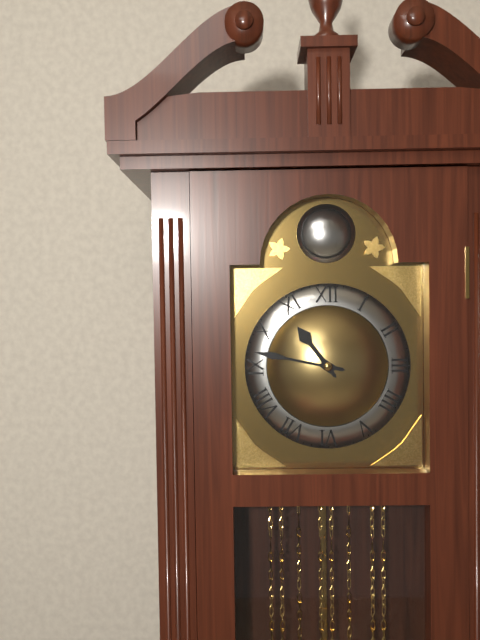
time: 10:47
